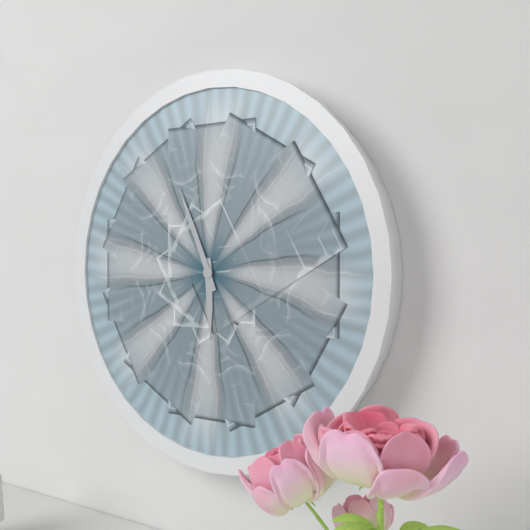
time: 5:56
